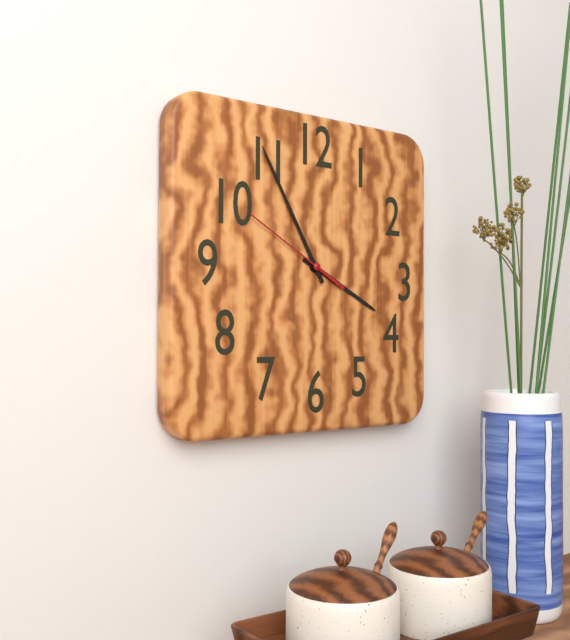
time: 3:55:50
